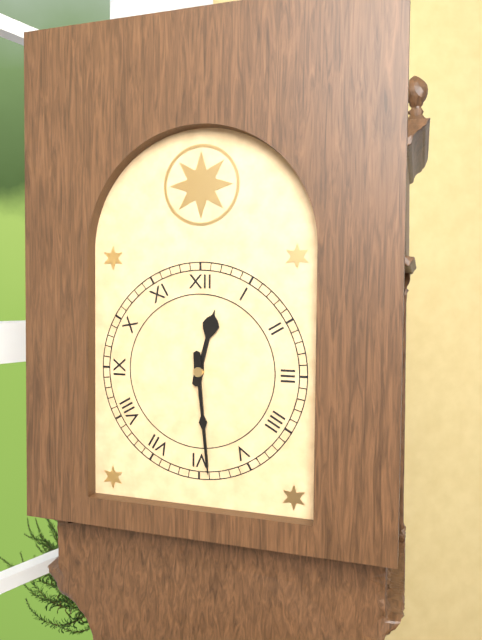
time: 12:29
